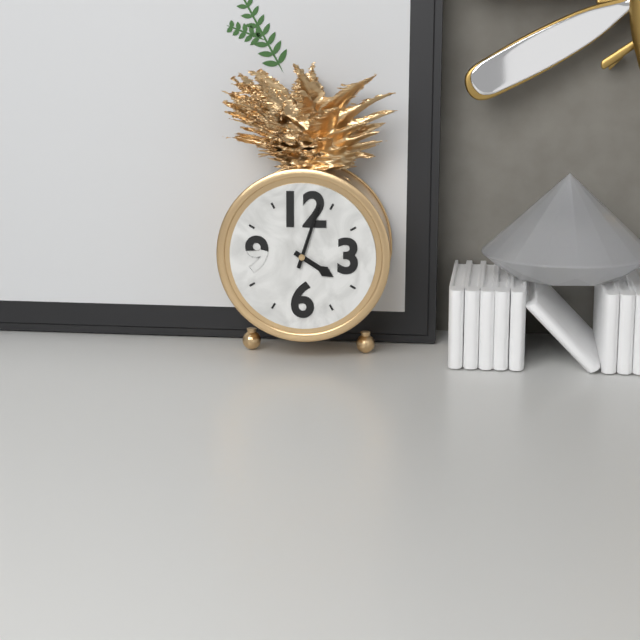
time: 4:03
